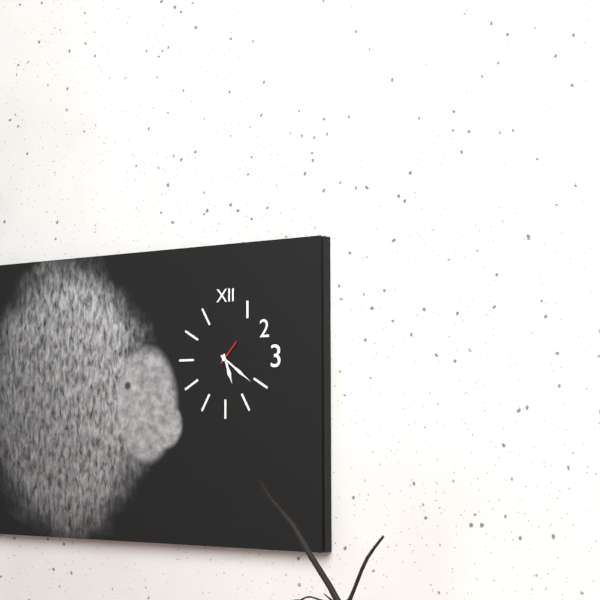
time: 5:21
